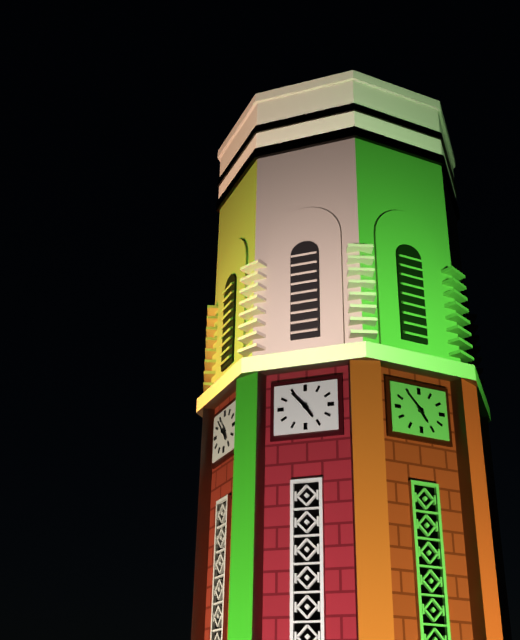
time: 4:53
